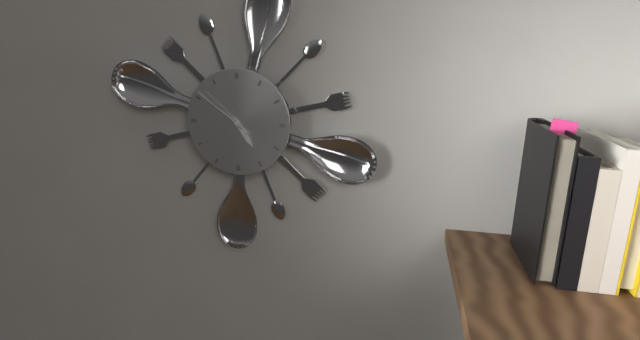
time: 4:52:51
